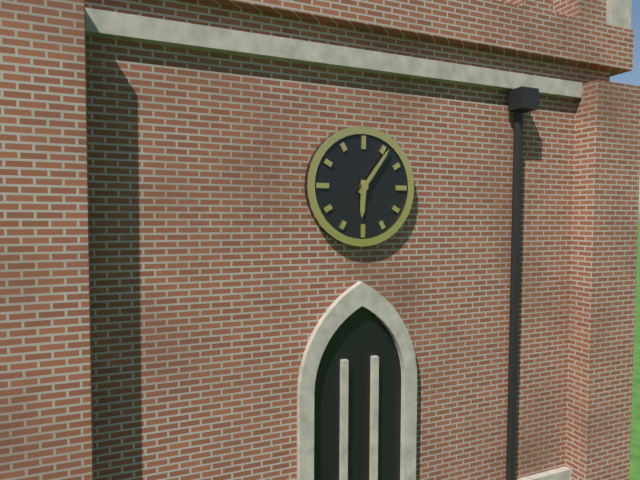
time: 6:06
